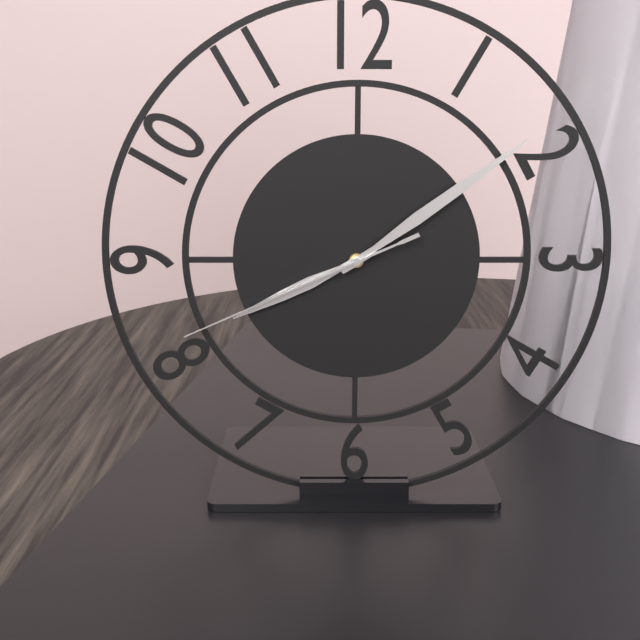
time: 8:09:41
